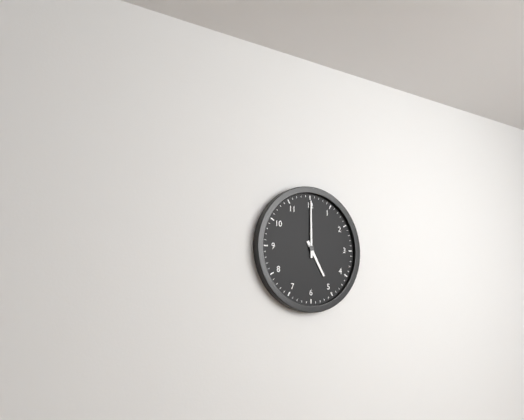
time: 5:00
